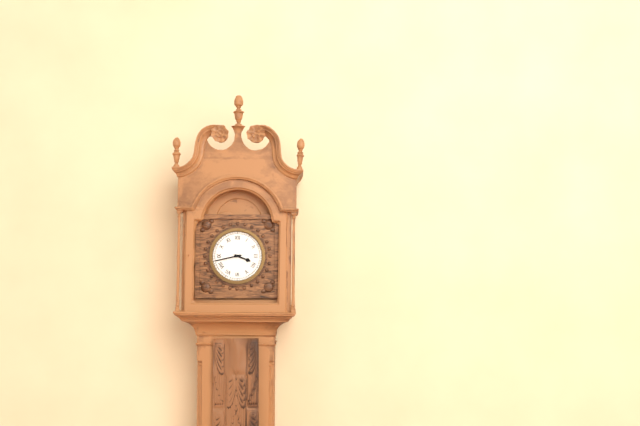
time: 3:43
